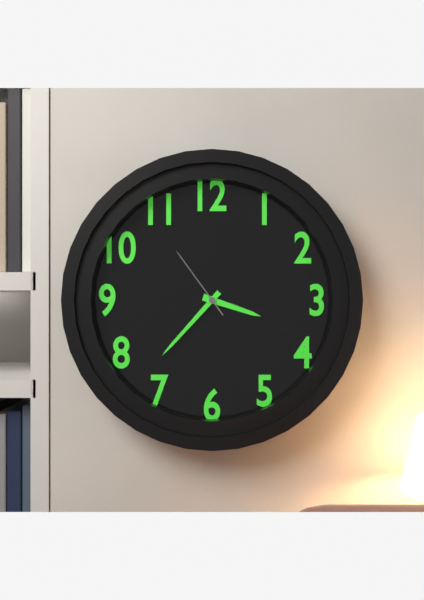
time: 3:37:54
